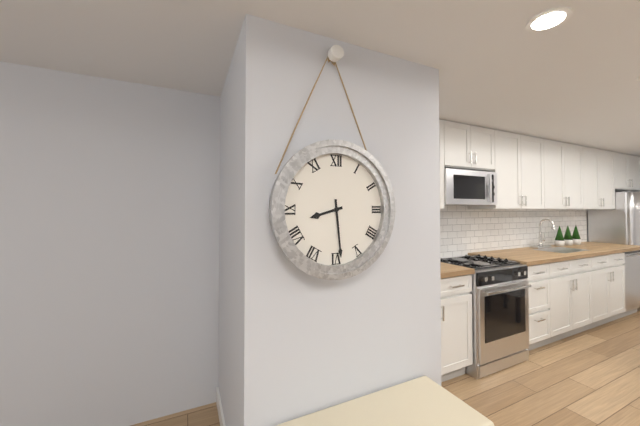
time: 8:29
